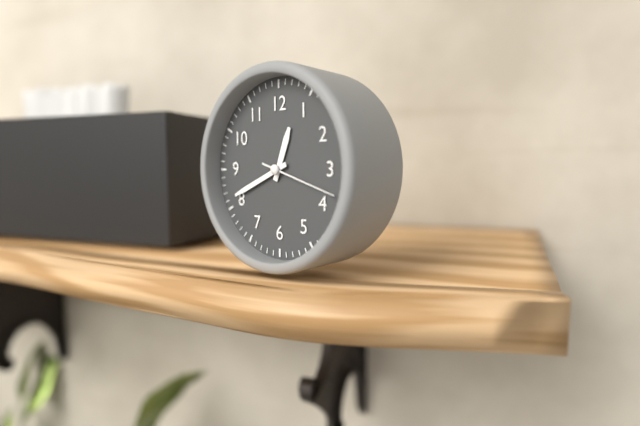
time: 12:41:18
